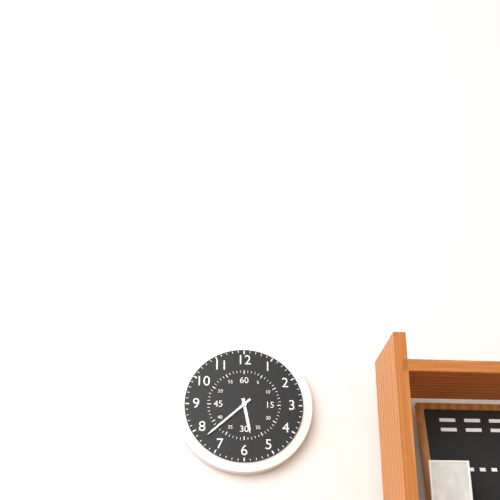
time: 5:38
